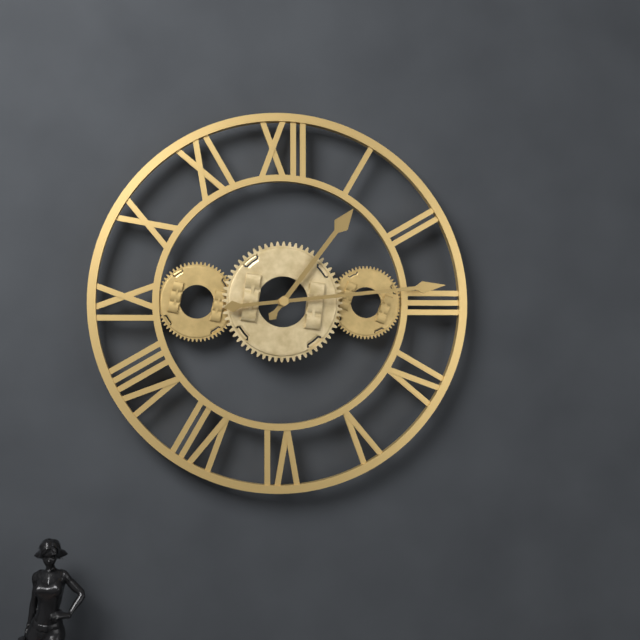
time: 1:14
